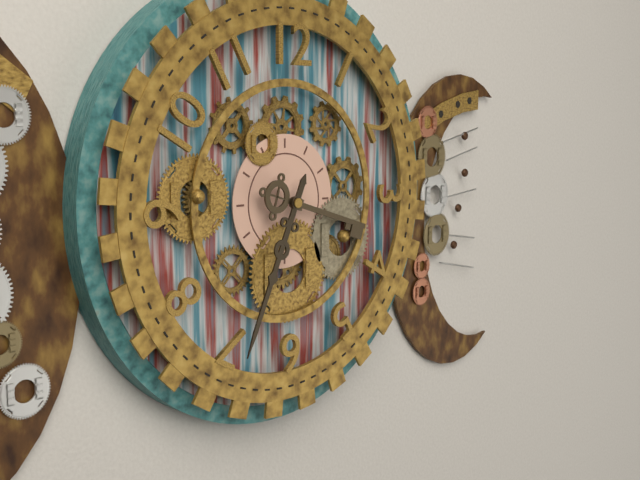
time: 3:34
